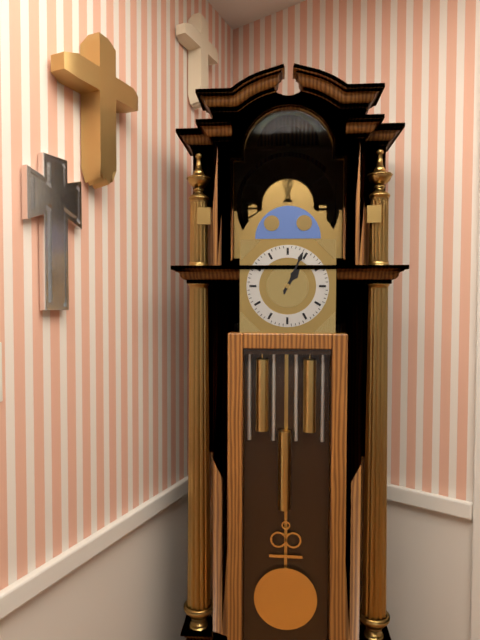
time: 1:04
